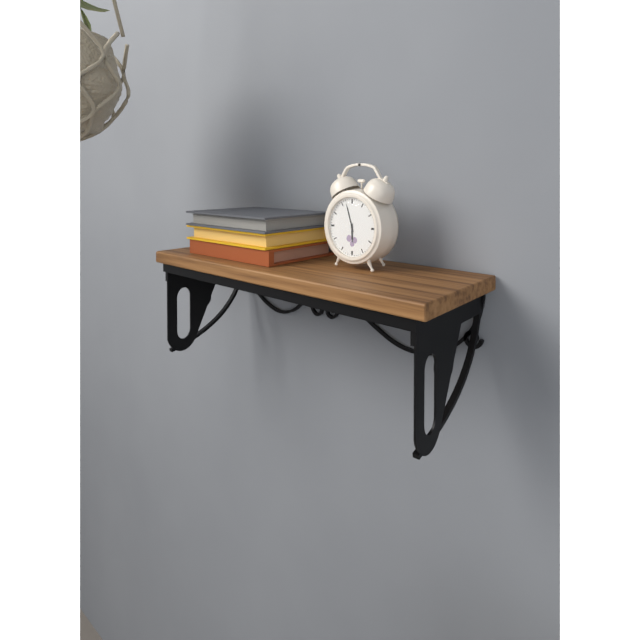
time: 5:57
